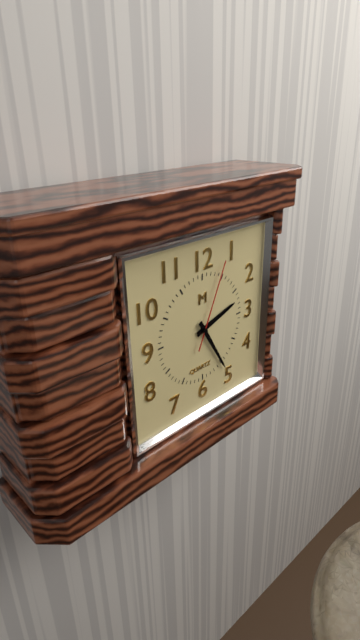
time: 2:25:04
